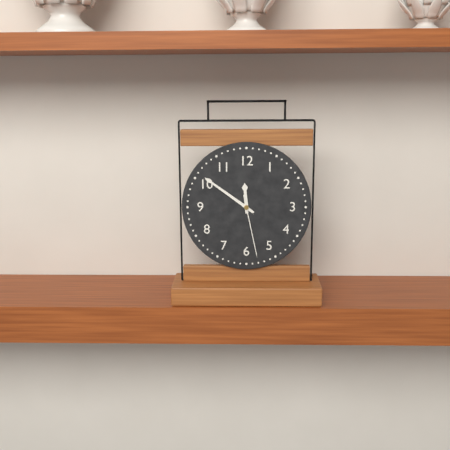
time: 11:51:28
